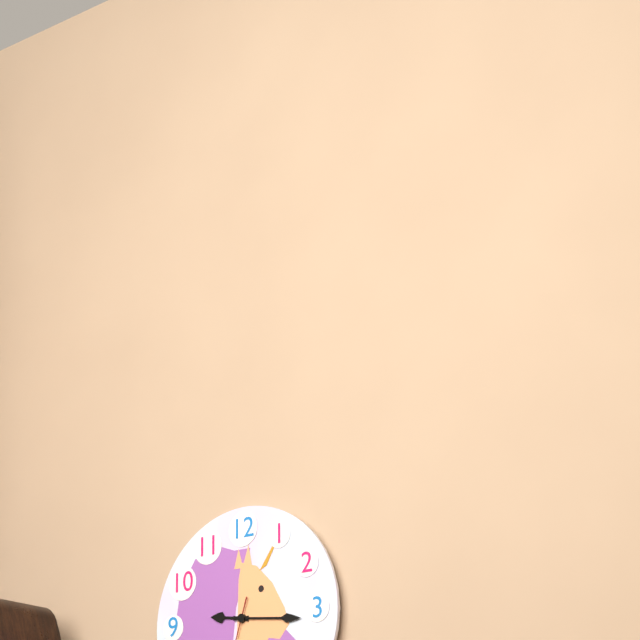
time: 9:16
